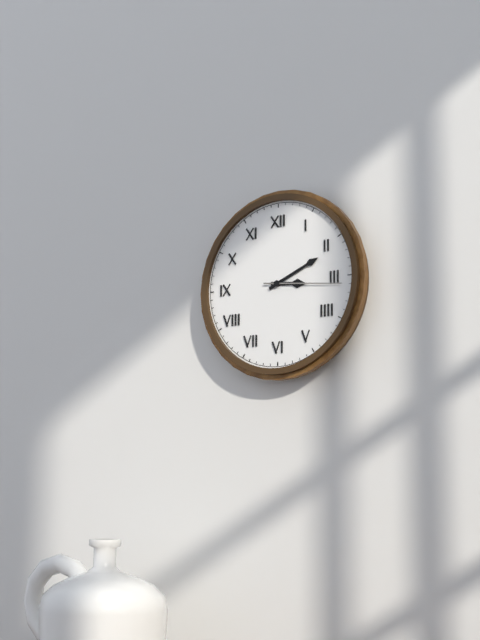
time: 3:11:16
